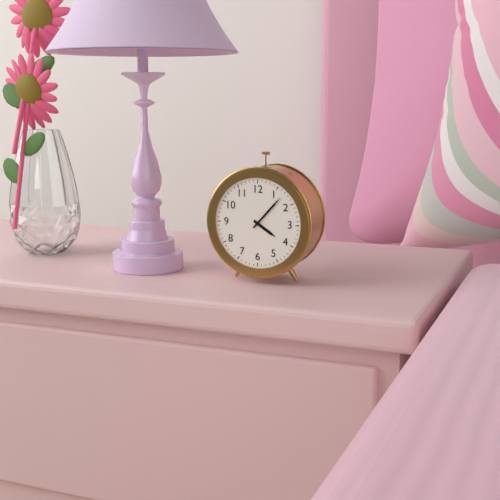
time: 4:07
